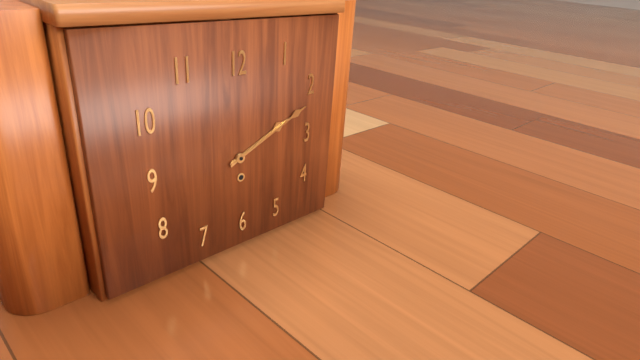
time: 2:11
